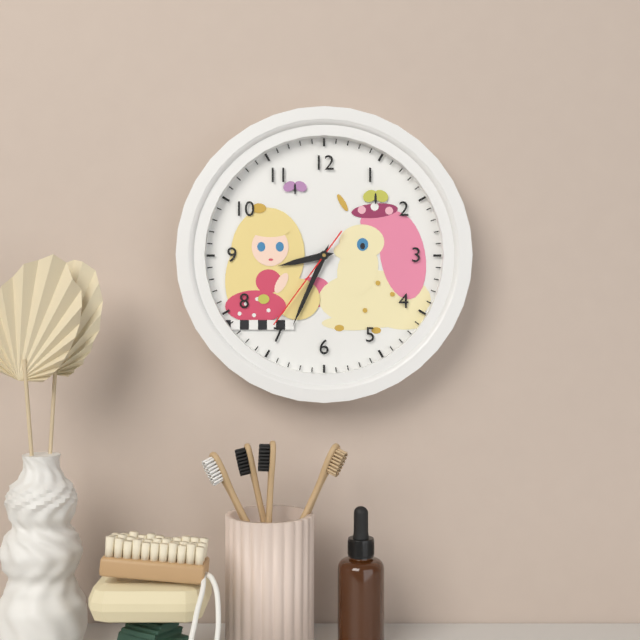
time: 8:34:36
